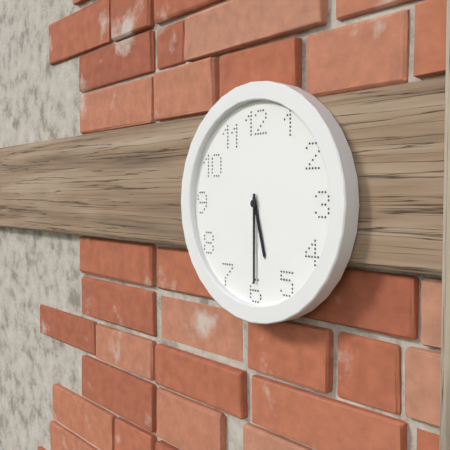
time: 5:30
